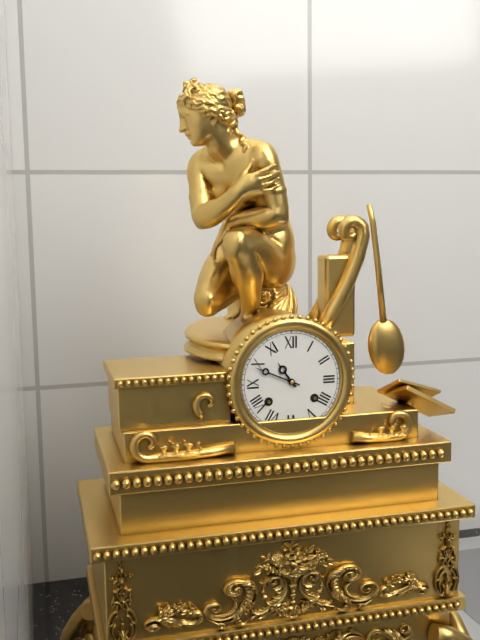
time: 10:49
